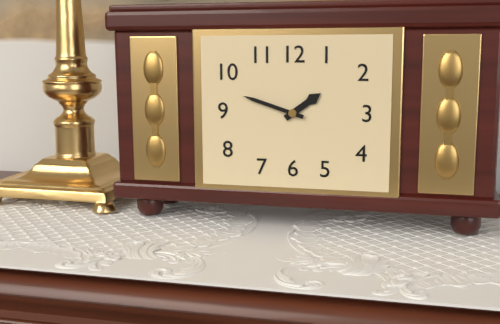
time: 1:48
